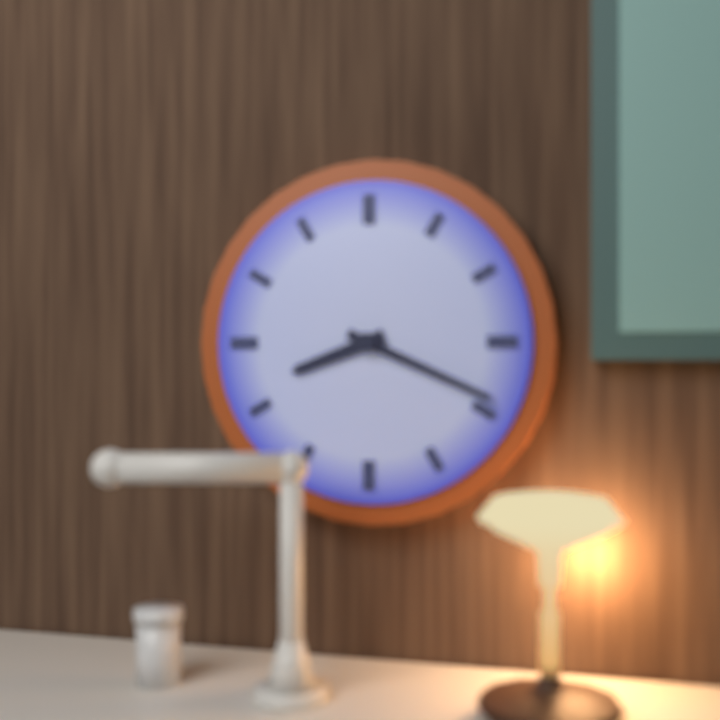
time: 8:19
